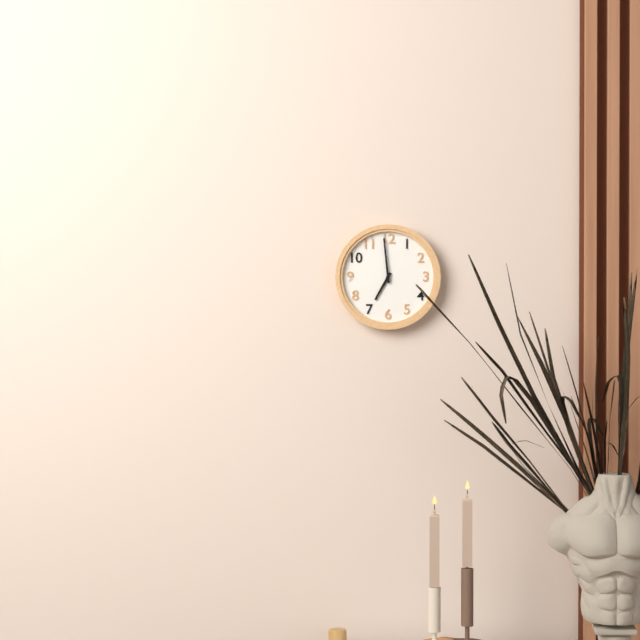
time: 6:59
